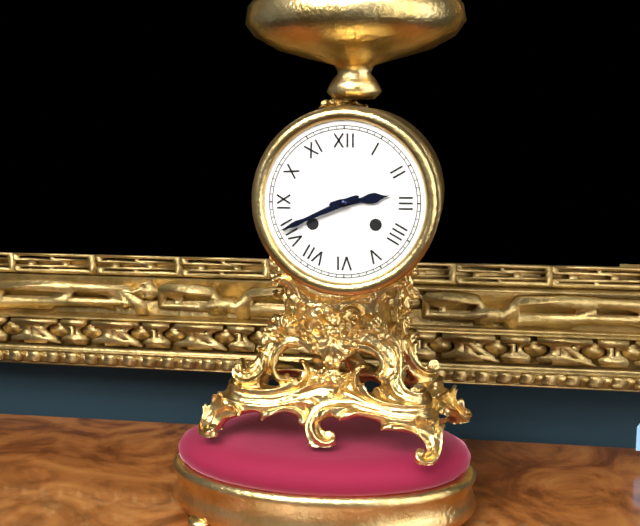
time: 2:41
